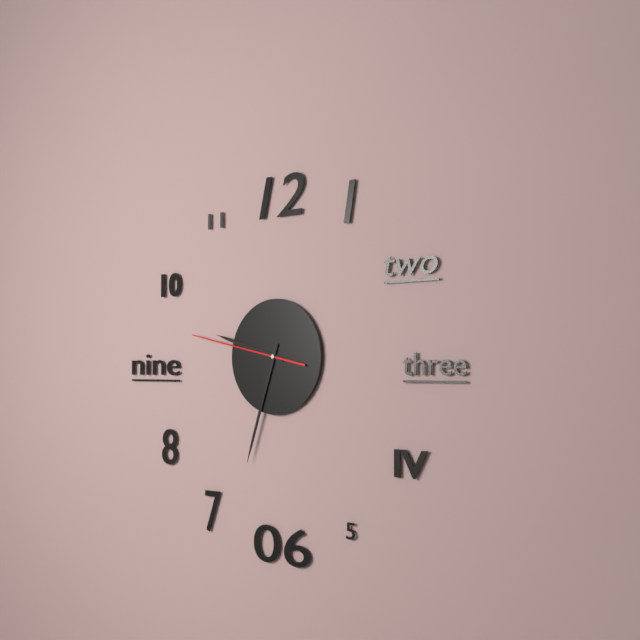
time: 9:33:47
